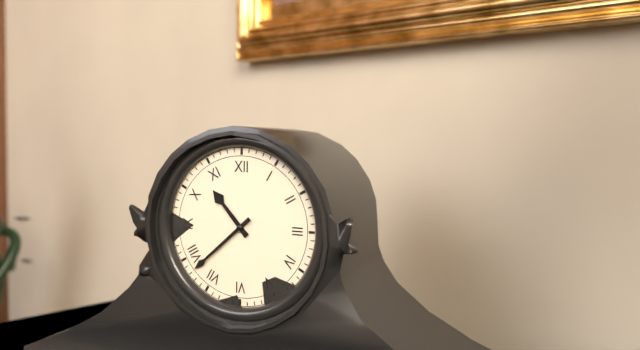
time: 10:38
